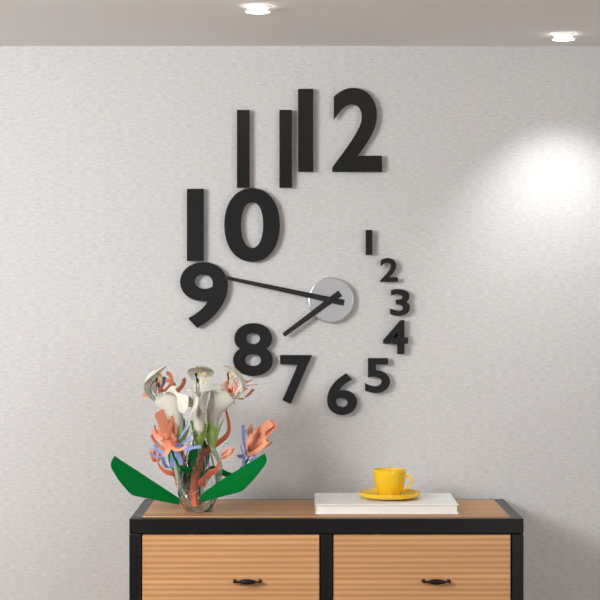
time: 7:47
